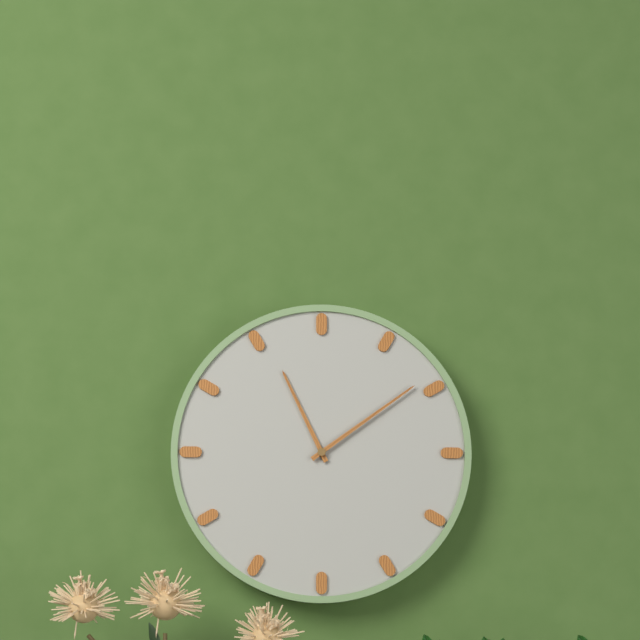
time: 11:09
